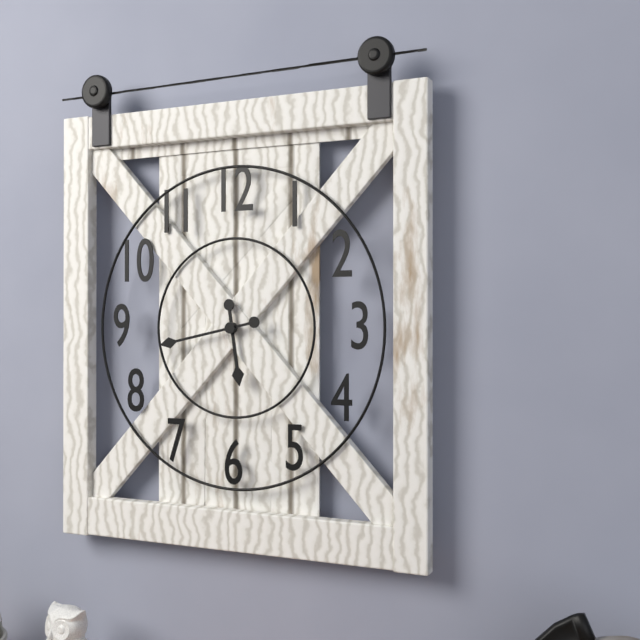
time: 5:43
